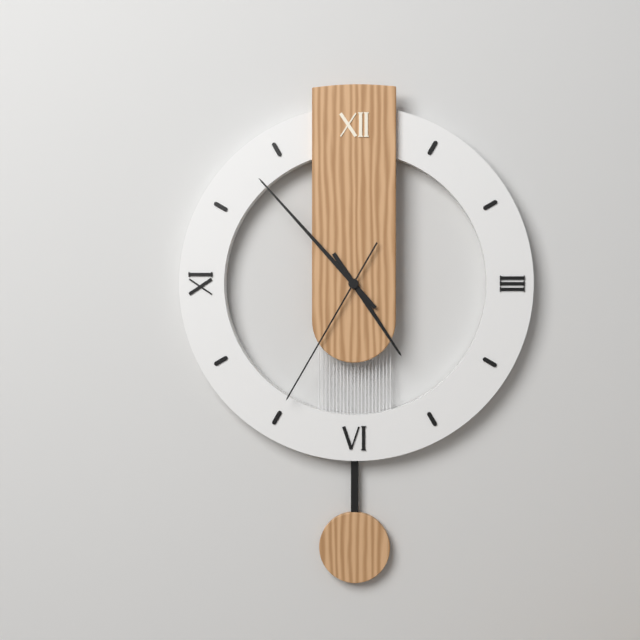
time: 4:53:35
